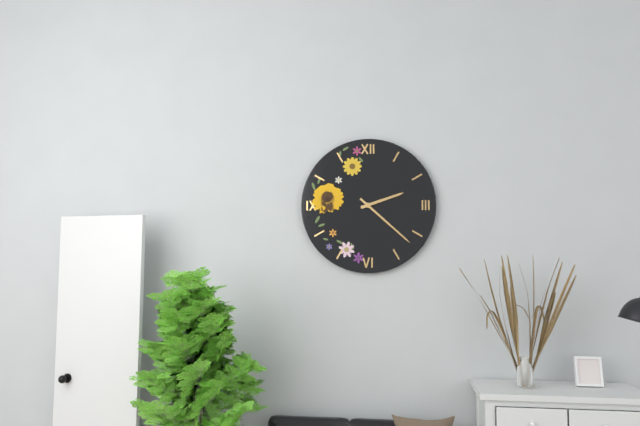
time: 2:22
